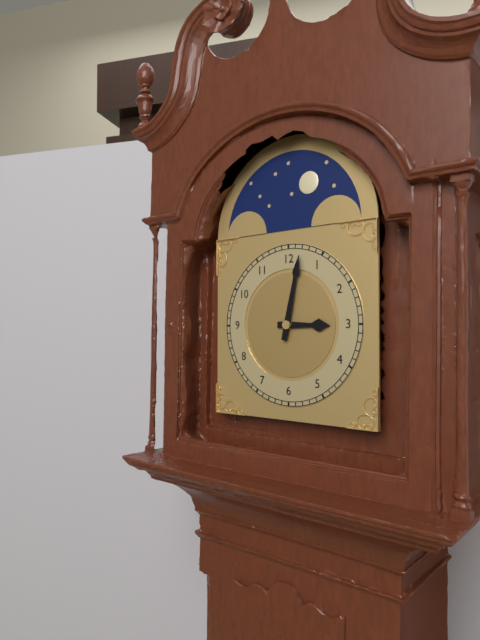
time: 3:02
